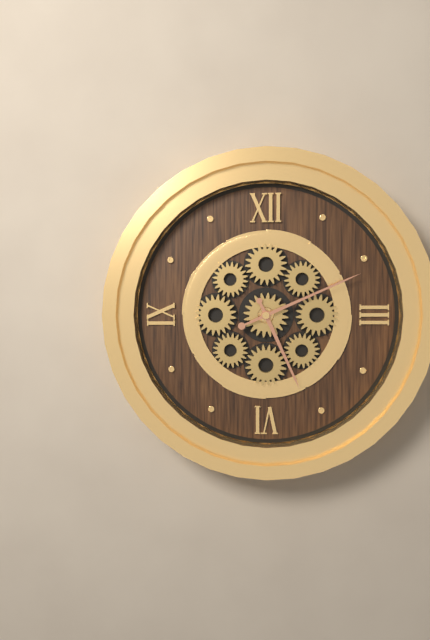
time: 5:11
